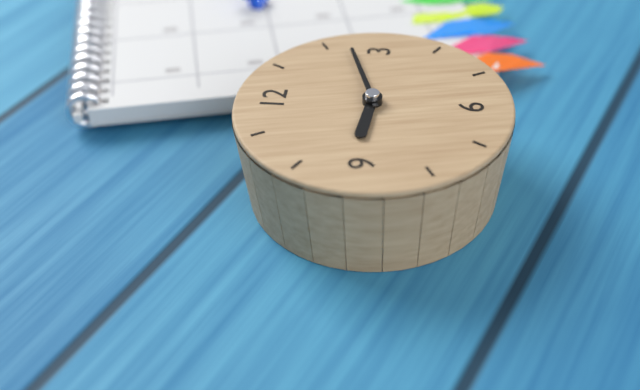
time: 9:12
